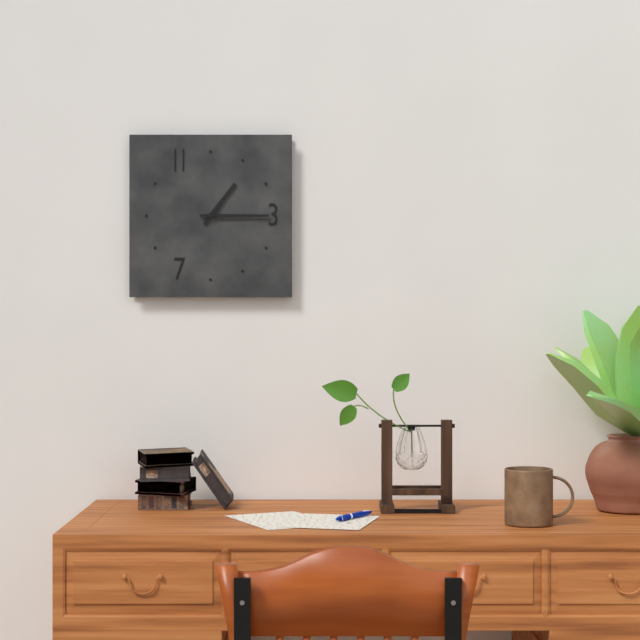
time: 1:15
